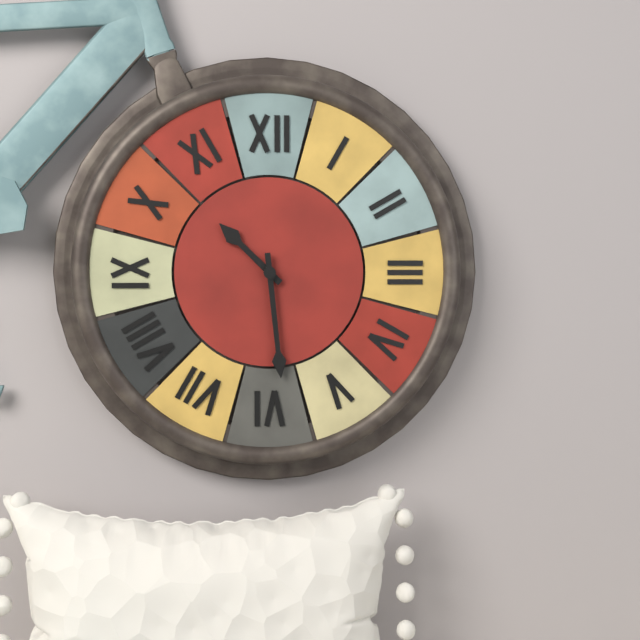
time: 10:29
